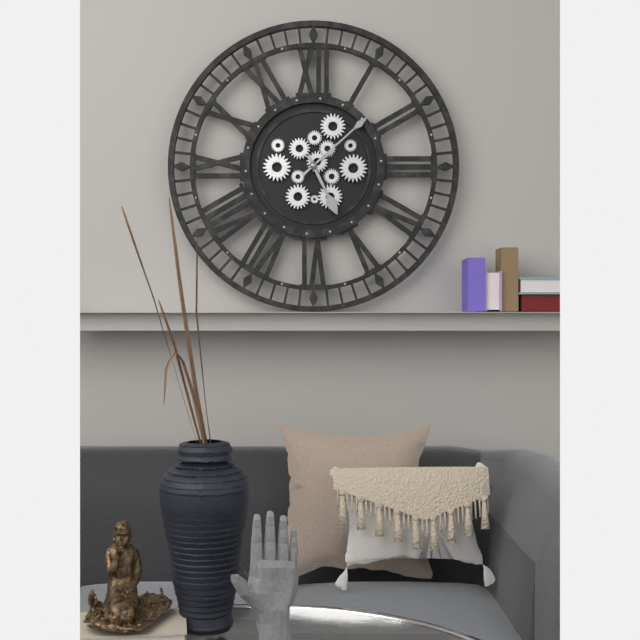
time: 5:08
